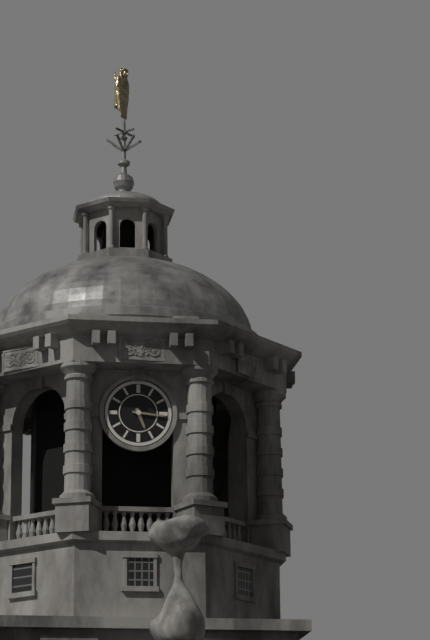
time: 5:16
